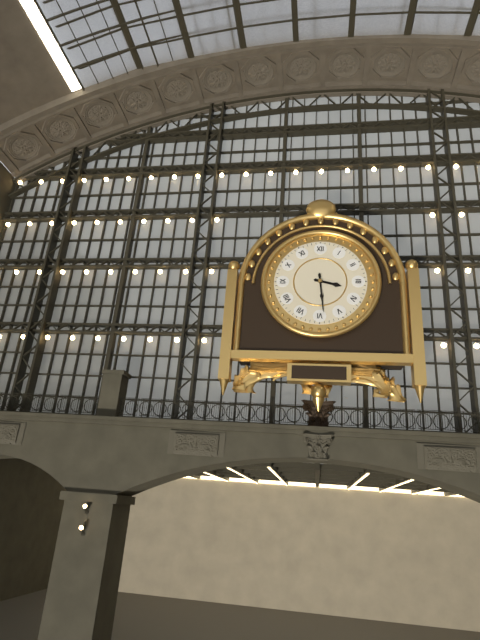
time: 3:29
